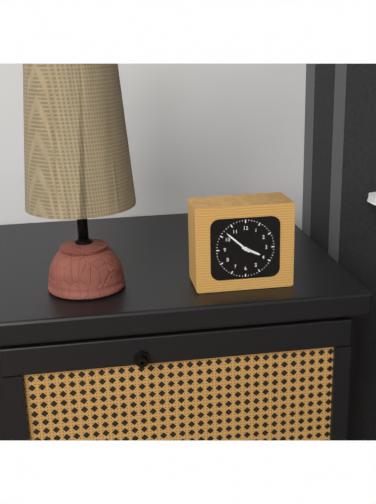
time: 3:52
